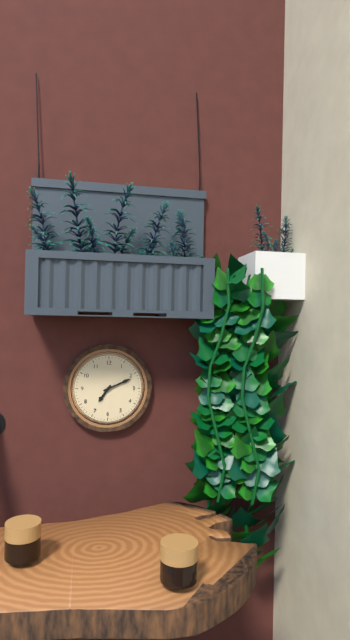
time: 7:11
